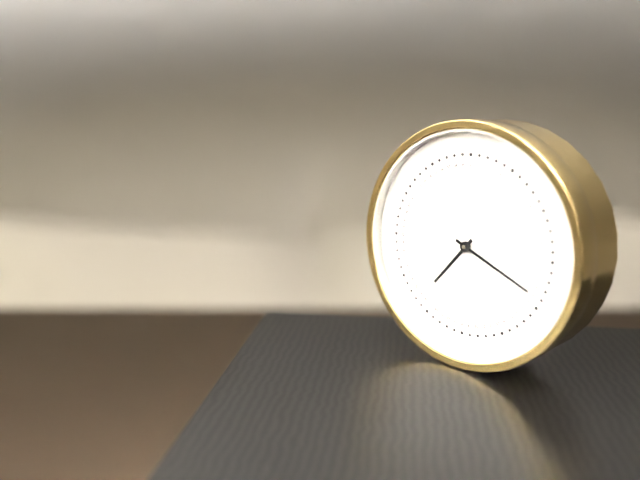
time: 7:19
